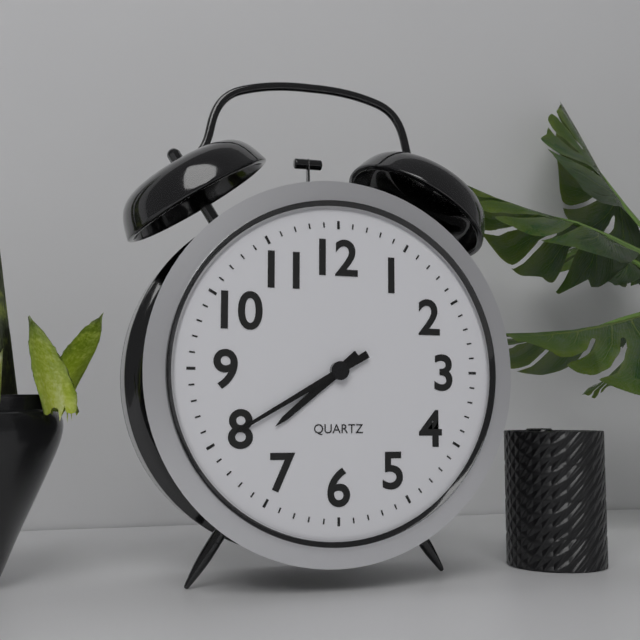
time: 7:40
